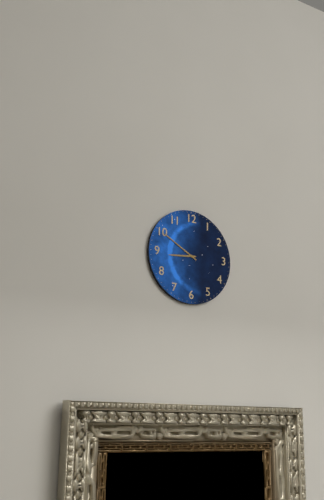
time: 8:50
